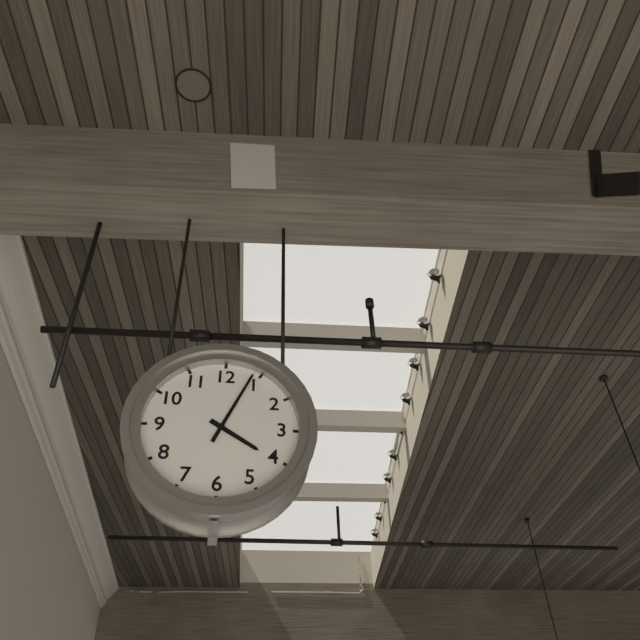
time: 4:04
